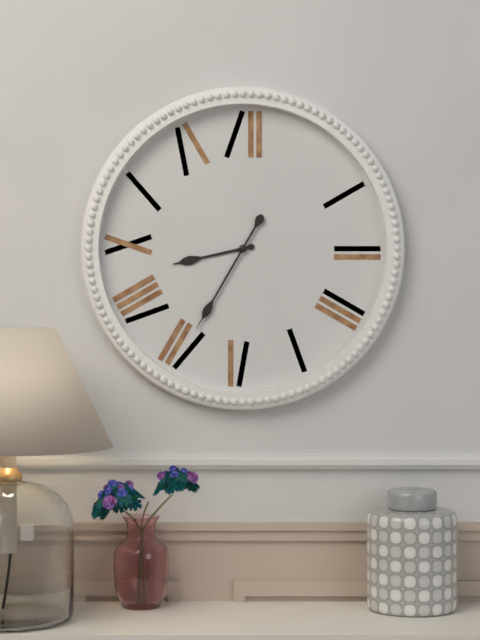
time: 8:35
